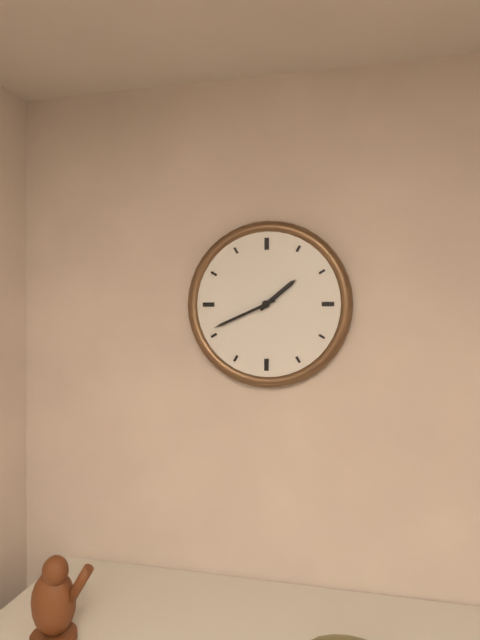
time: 1:41
